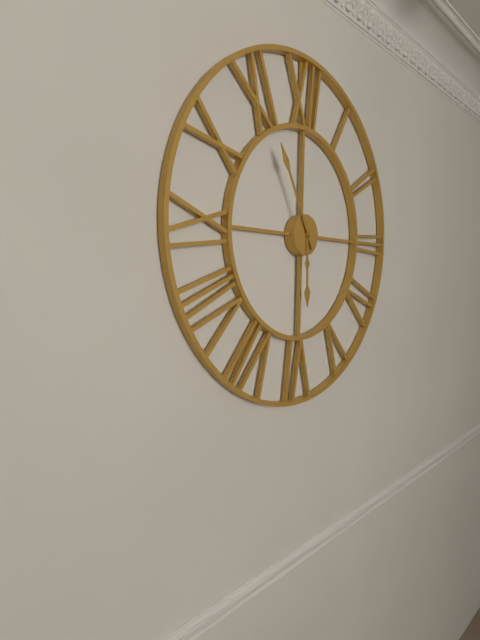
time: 5:55
